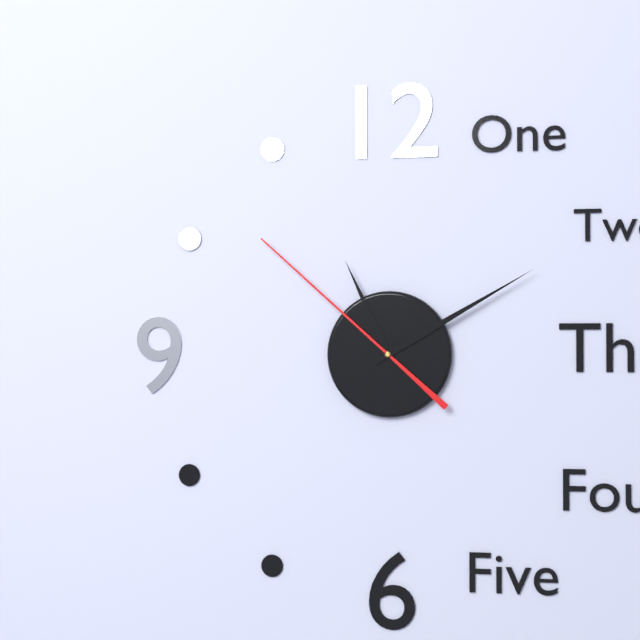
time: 11:10:52
